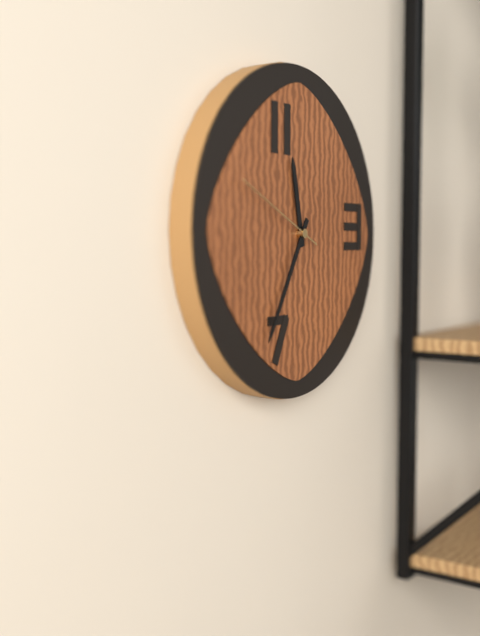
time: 11:35:49
